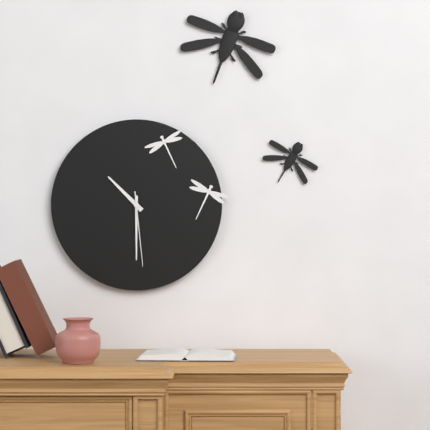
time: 10:30:29
